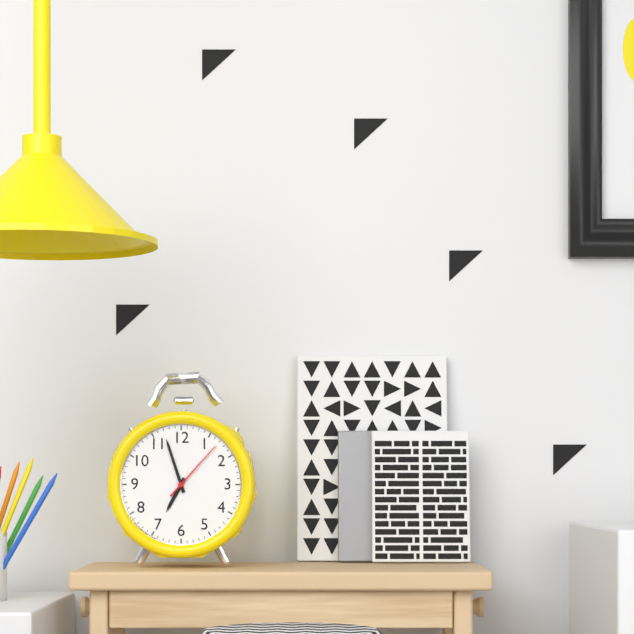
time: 6:57:07
